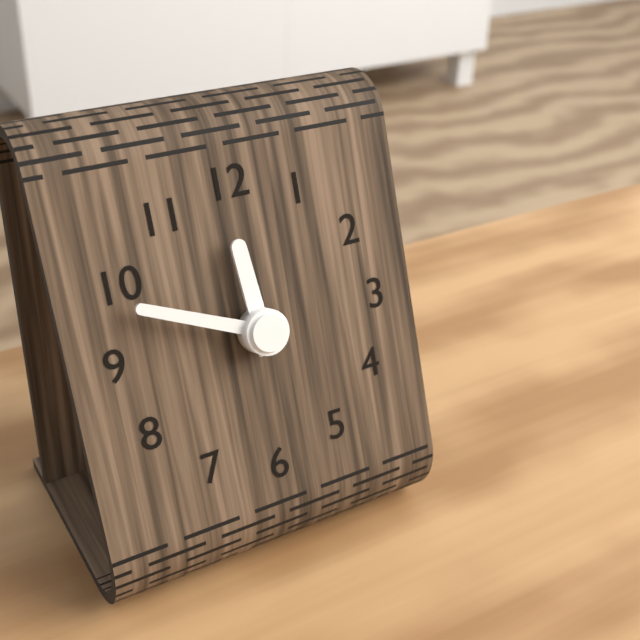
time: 11:49
